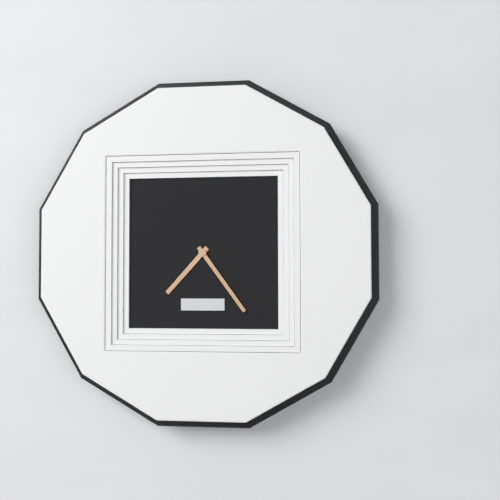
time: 7:24
